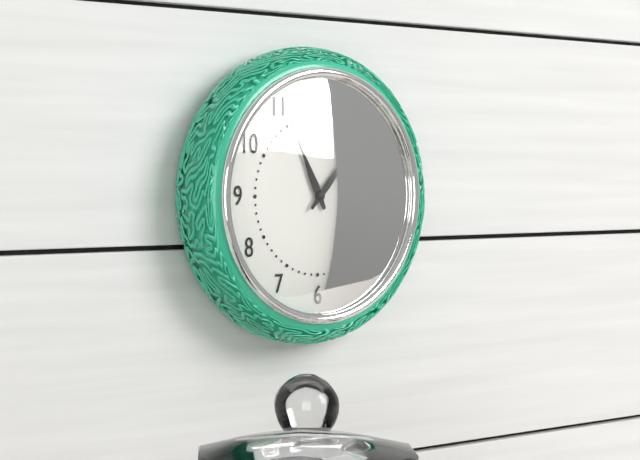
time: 11:07
